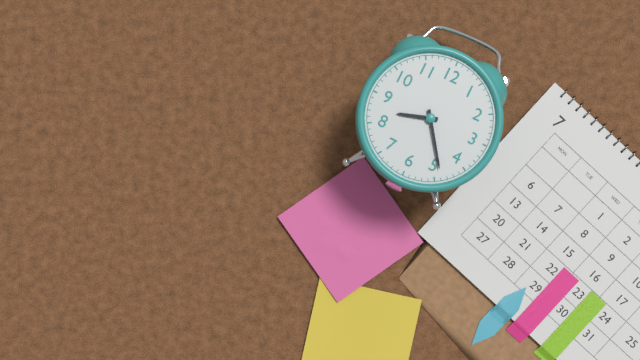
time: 8:24
